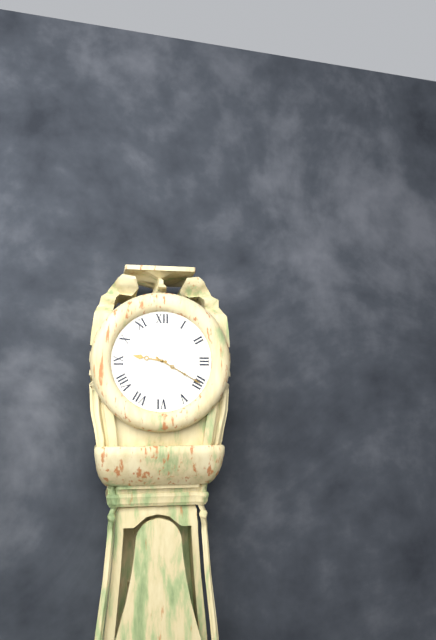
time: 9:20
